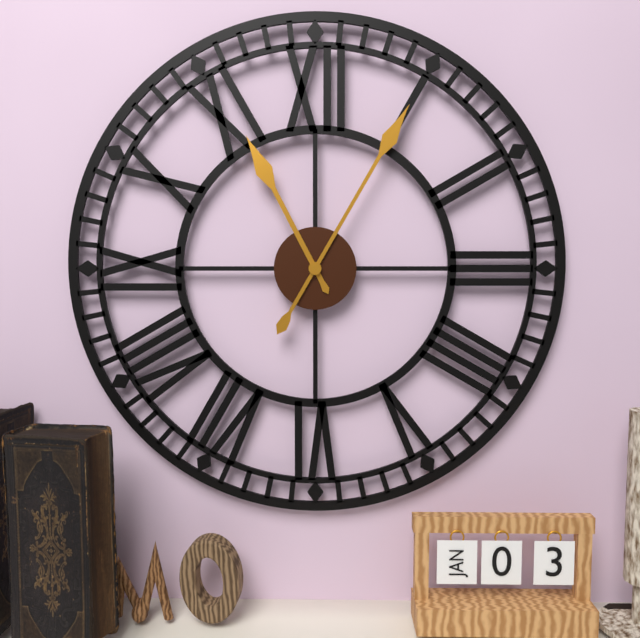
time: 11:05
